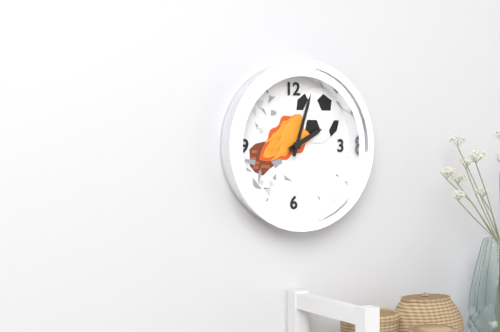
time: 2:03
